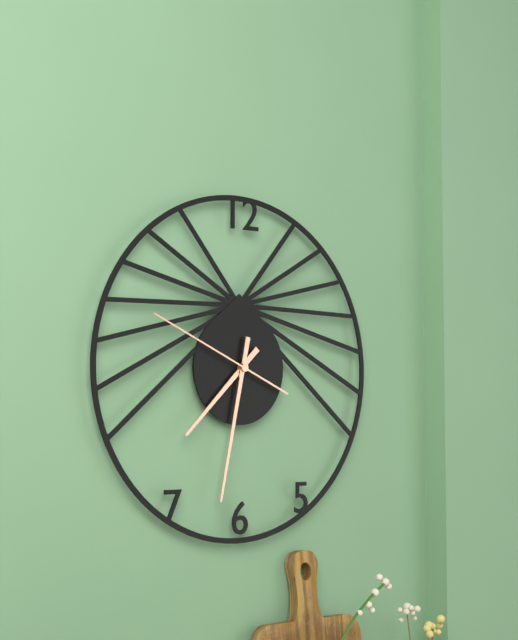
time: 7:32:49
